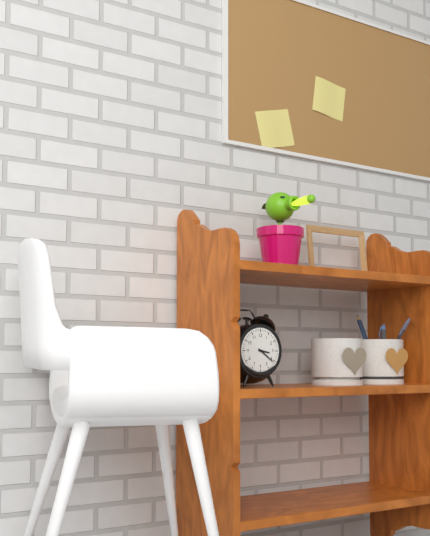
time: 3:21
